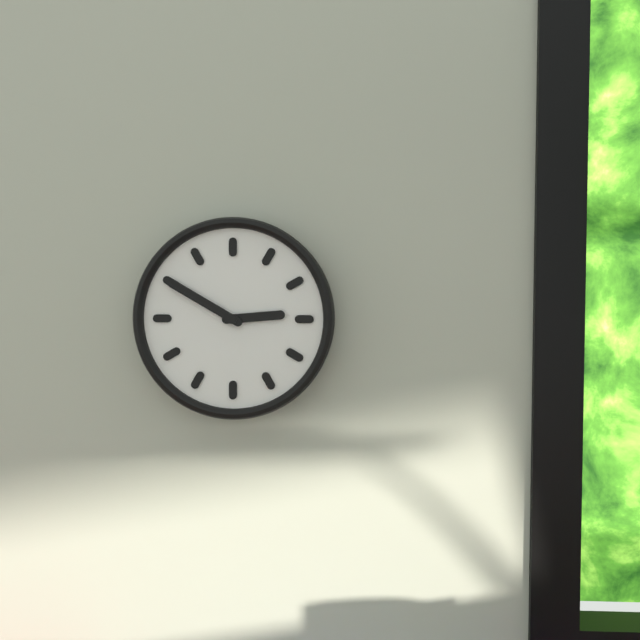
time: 2:50
